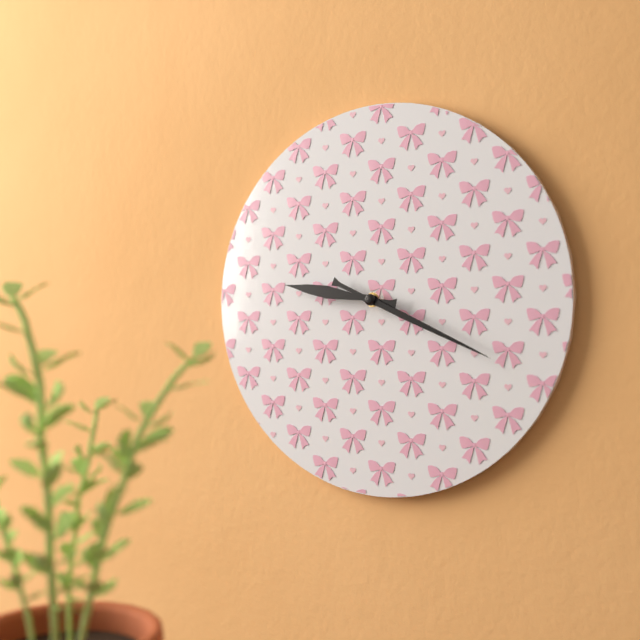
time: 9:19
